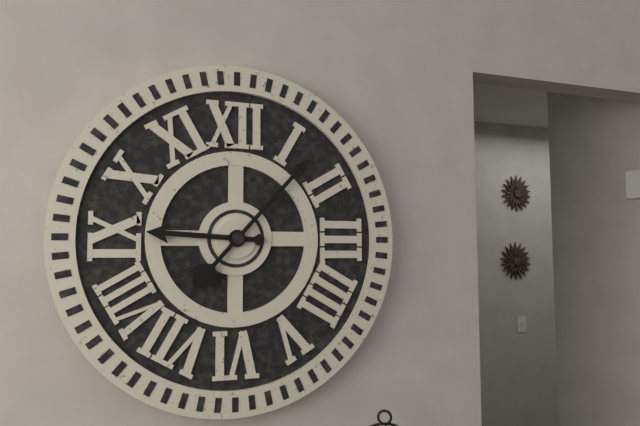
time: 9:07
